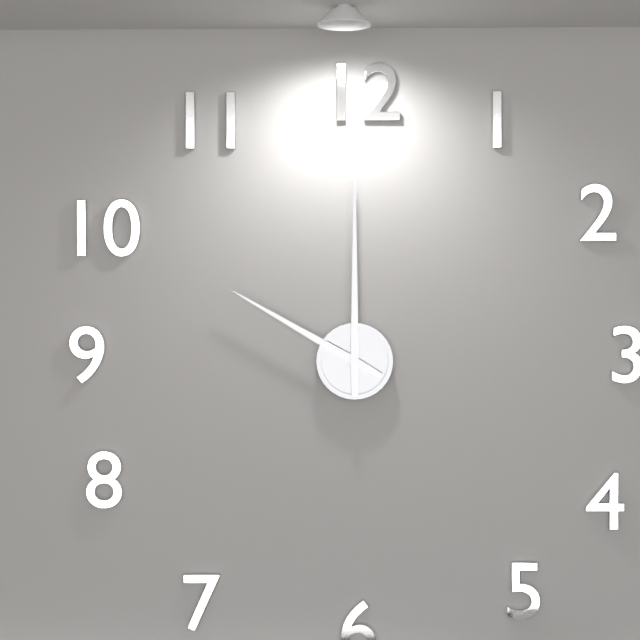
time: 10:00
